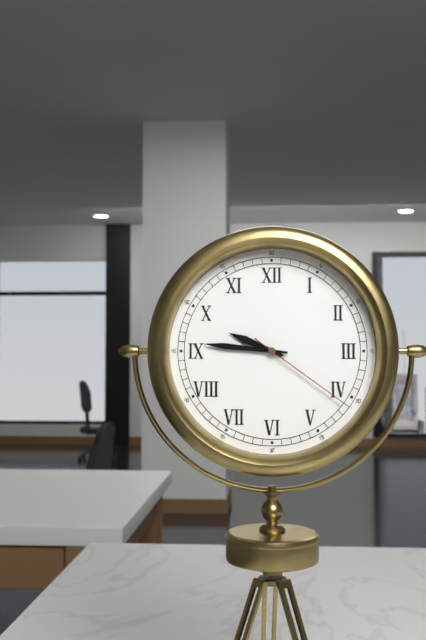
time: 9:46:21
